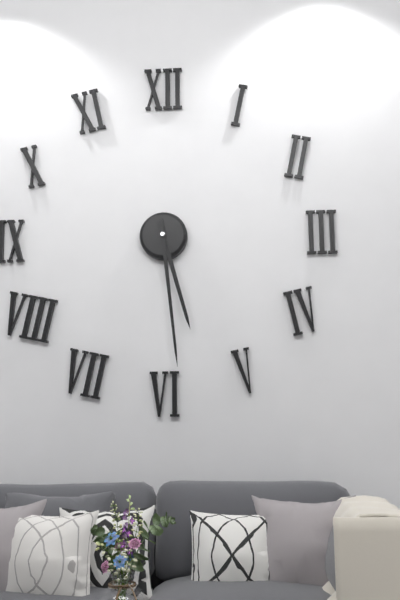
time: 5:29
